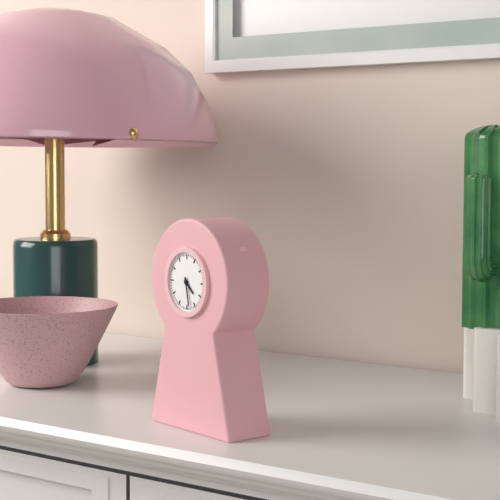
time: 4:28
